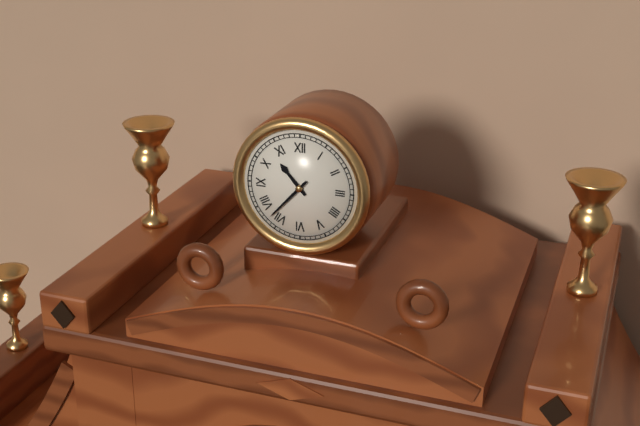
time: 10:37
